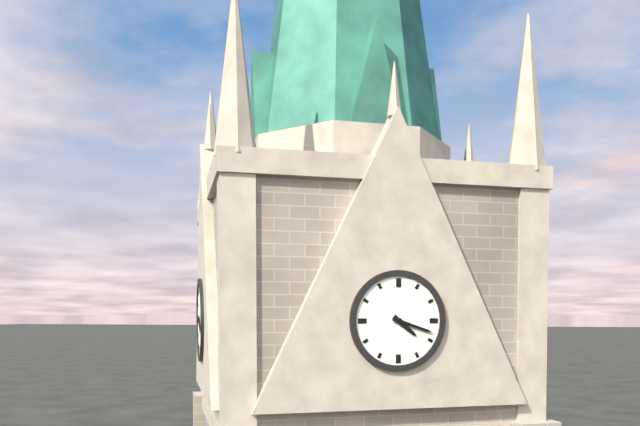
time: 4:18
